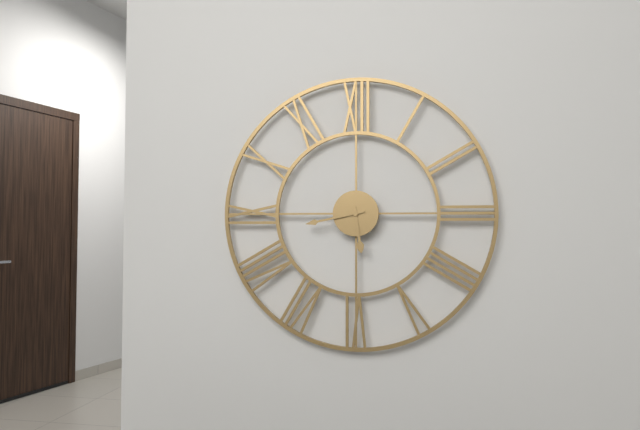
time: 5:43
